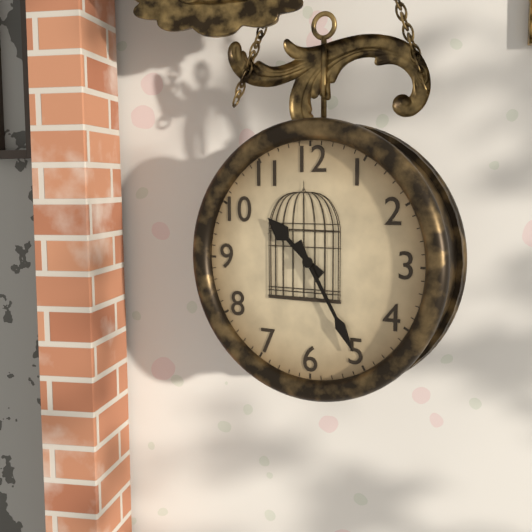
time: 10:25
